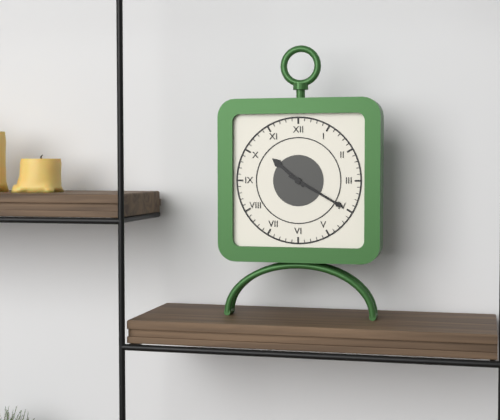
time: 10:20
